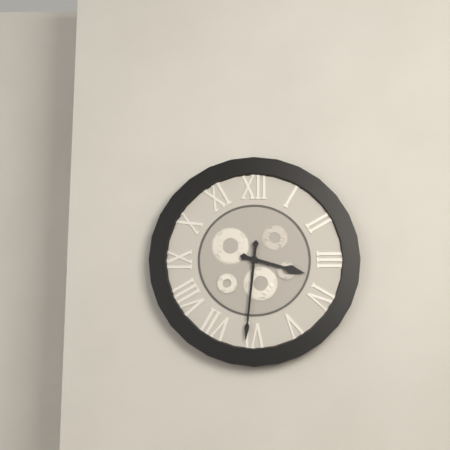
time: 3:31
